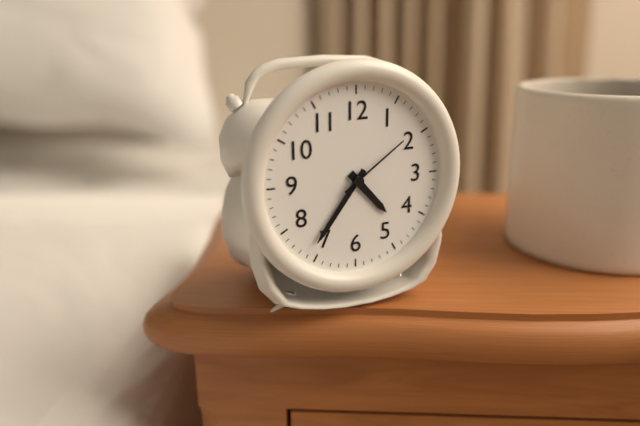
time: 4:36:09
